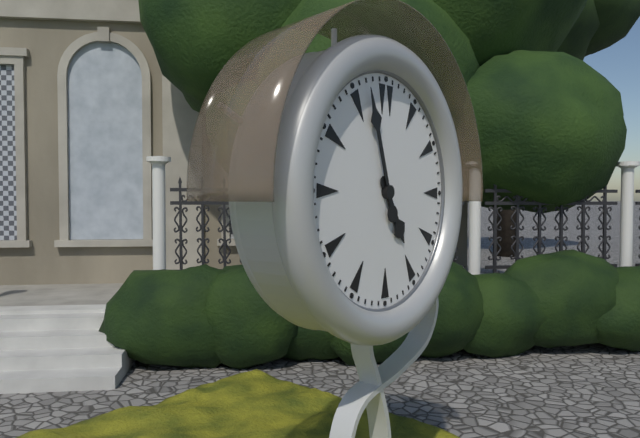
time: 4:57
